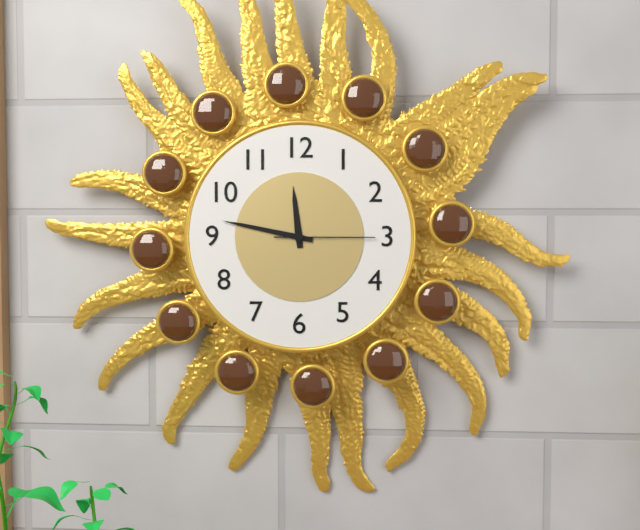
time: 11:47:15
